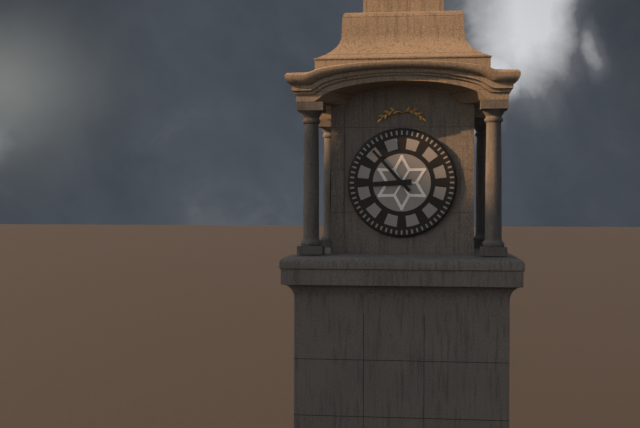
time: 8:53
